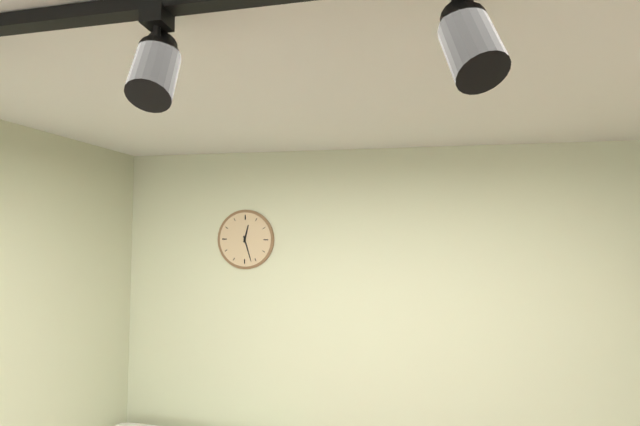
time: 12:27
